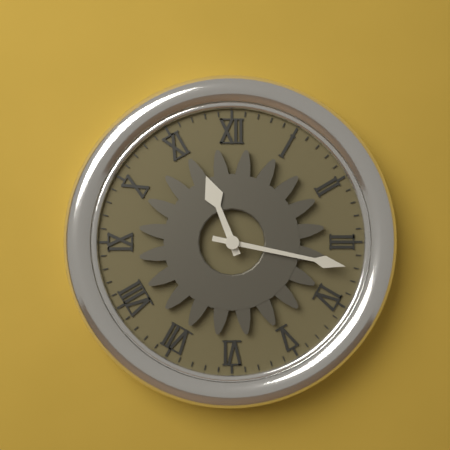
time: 11:17
